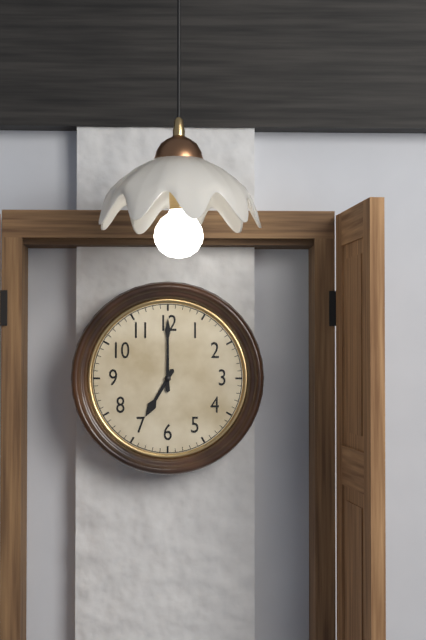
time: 7:00
